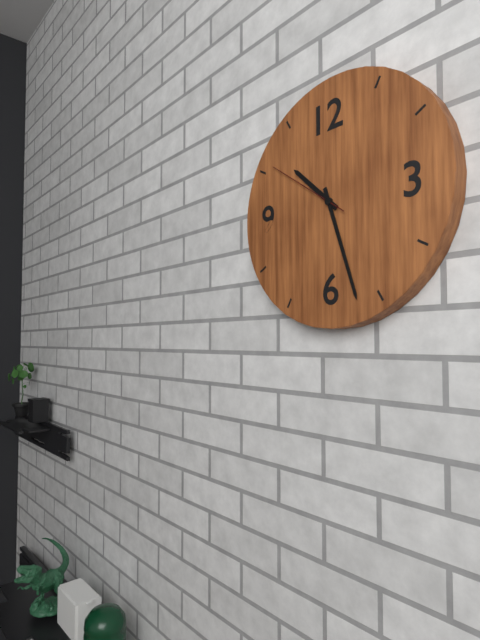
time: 10:27:51
